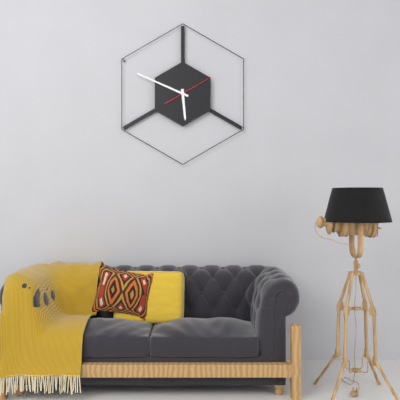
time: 5:49
